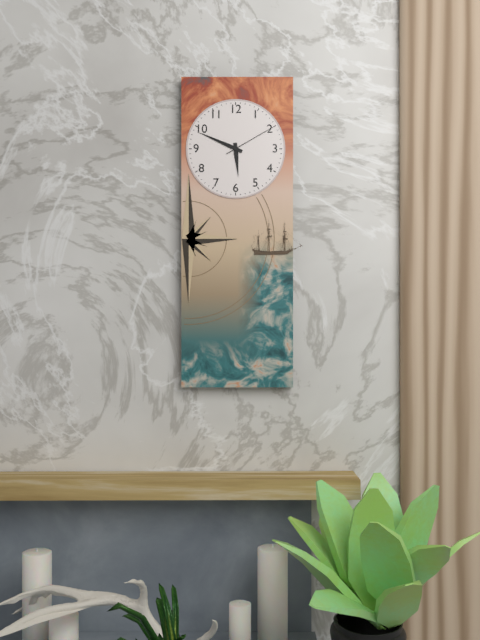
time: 5:49:10
